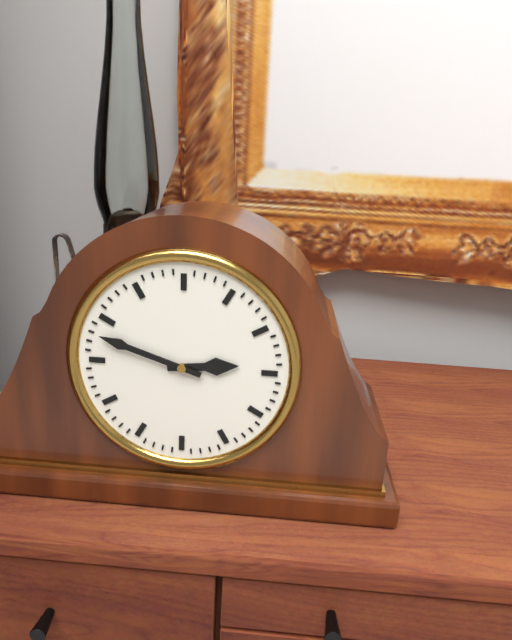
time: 2:48
